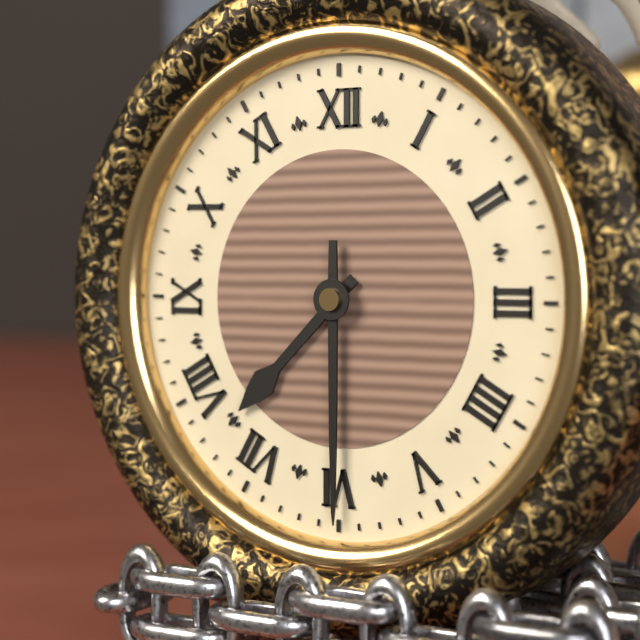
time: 7:30
